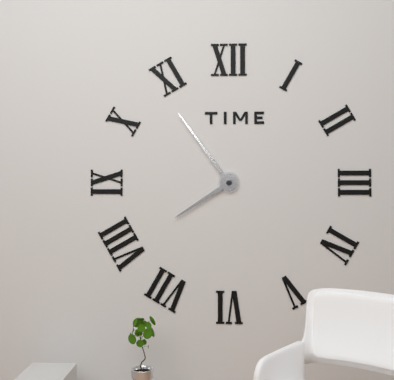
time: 7:54
